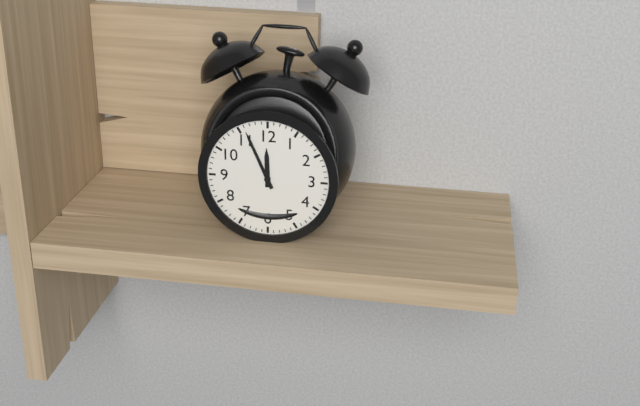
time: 11:56
